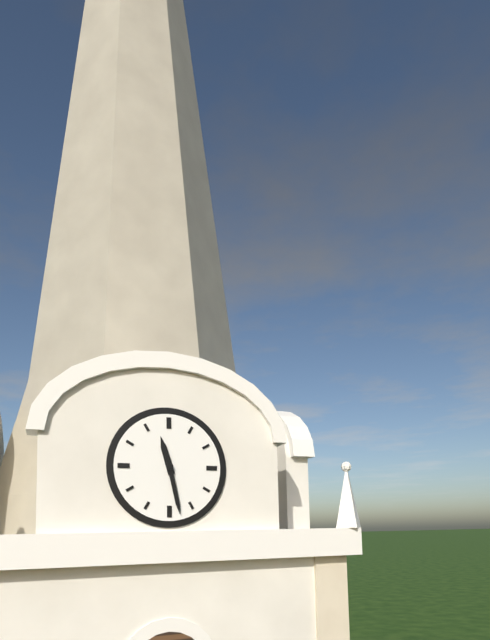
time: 11:28
